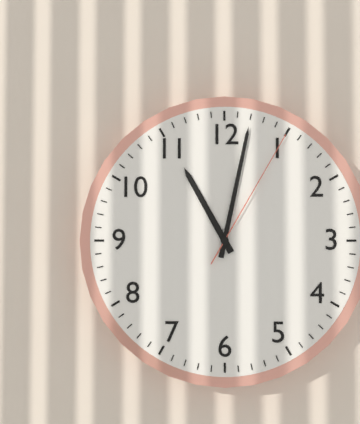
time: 11:02:05
